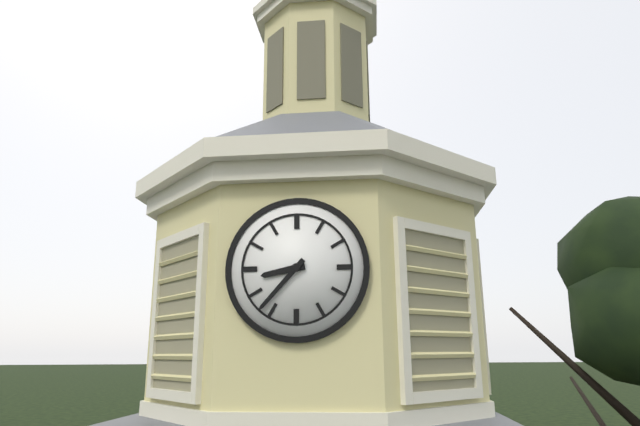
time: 8:37
